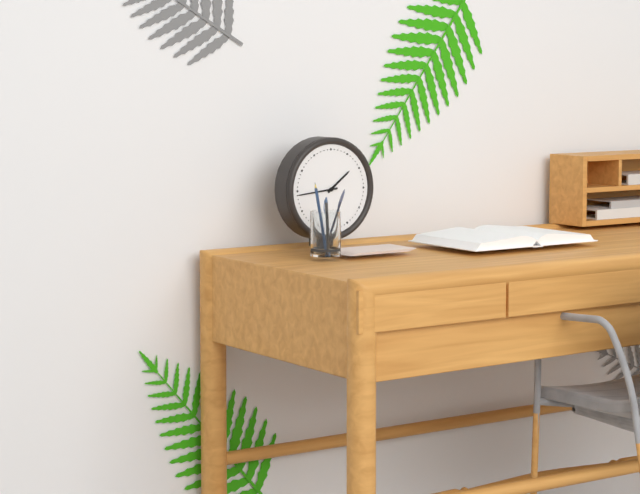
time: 1:44
